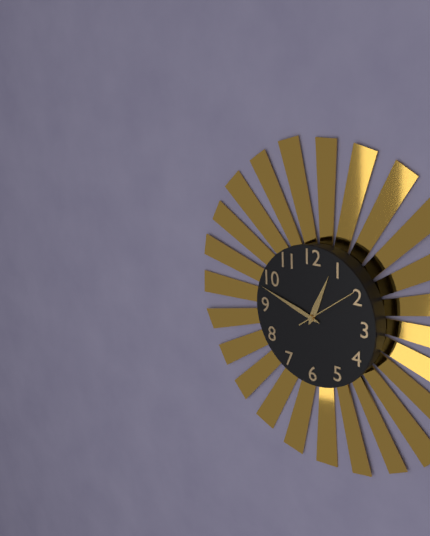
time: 12:48:09
